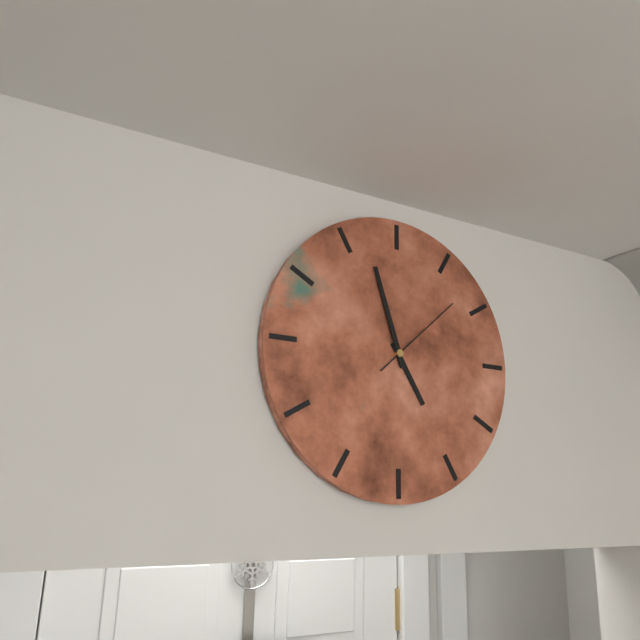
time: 4:57:08
